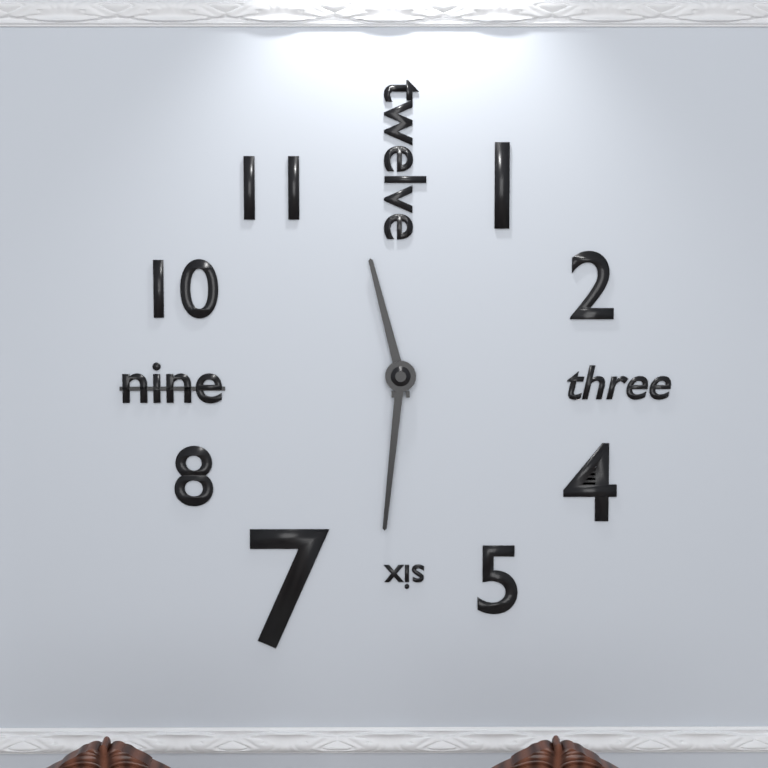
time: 11:31
